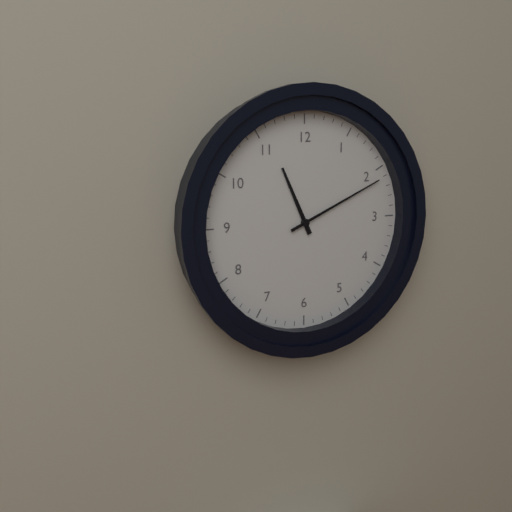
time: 11:11
